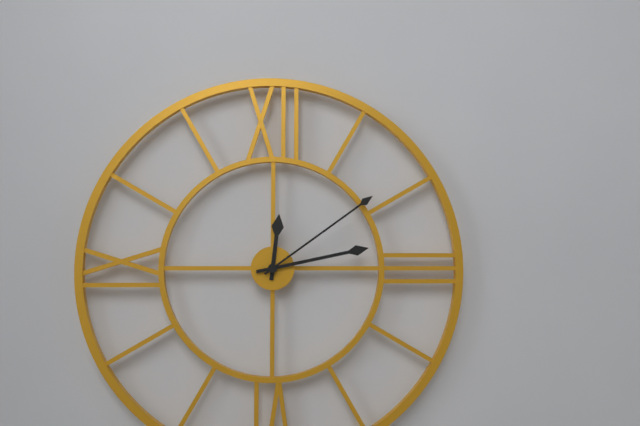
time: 12:13:09
